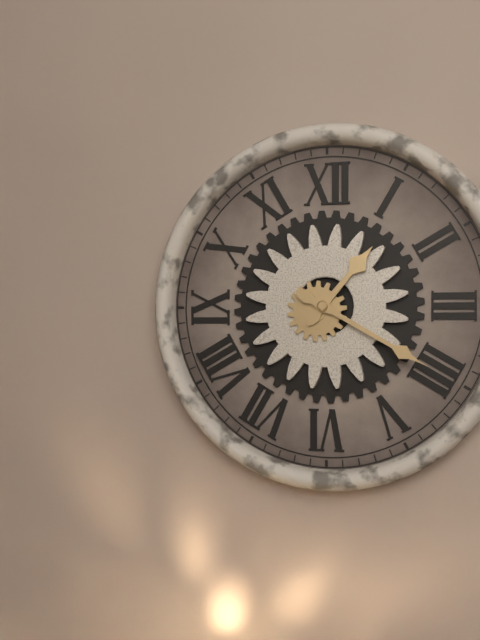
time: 1:20
